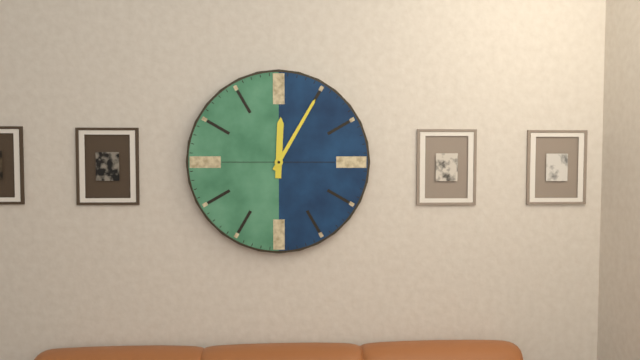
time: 12:05
